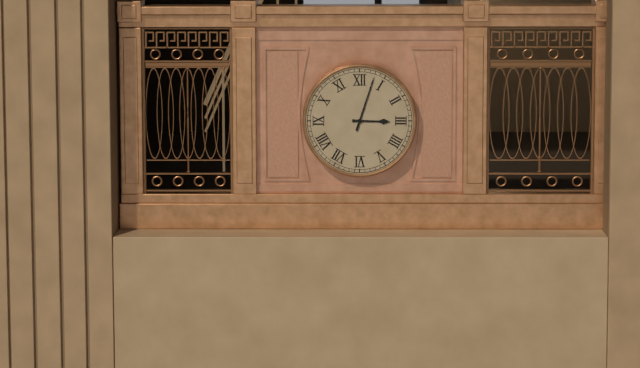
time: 3:03
